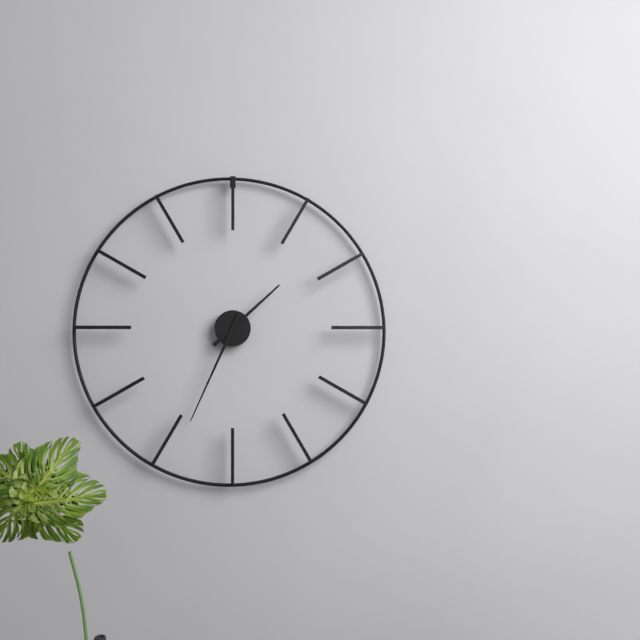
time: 1:34
